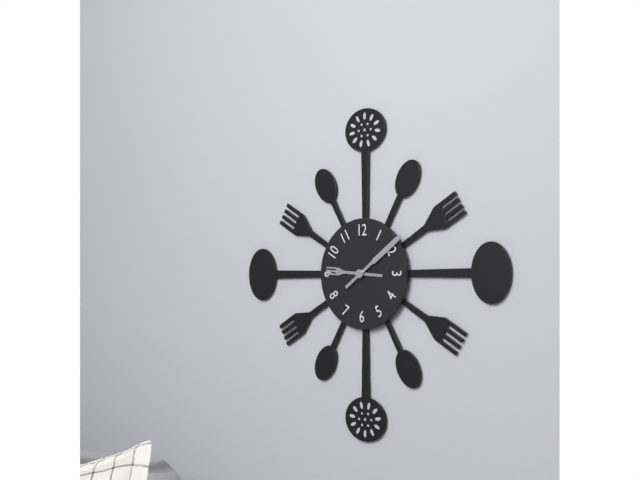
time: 9:09
